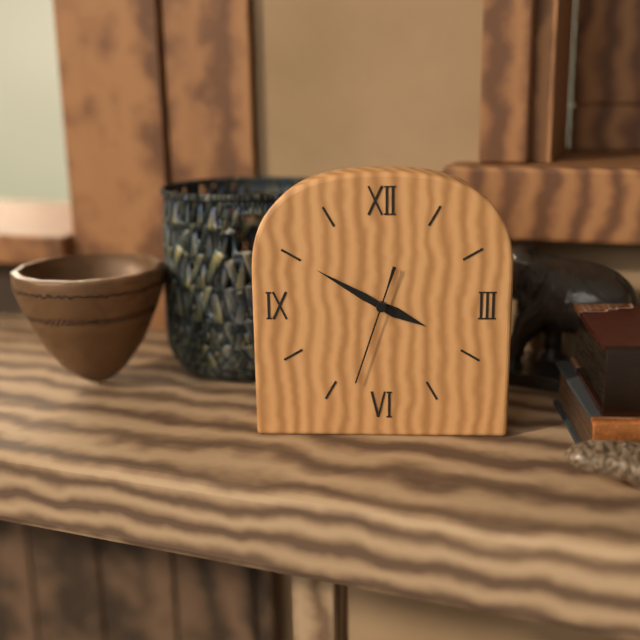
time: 3:50:33
